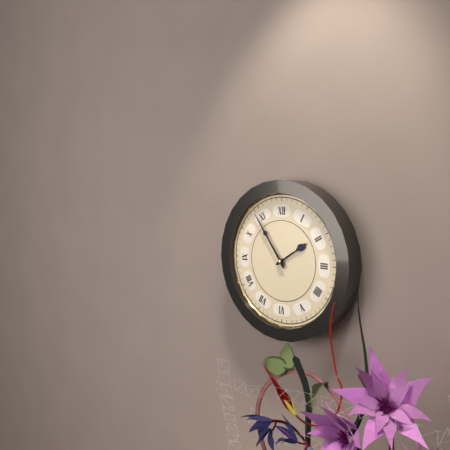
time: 1:54
